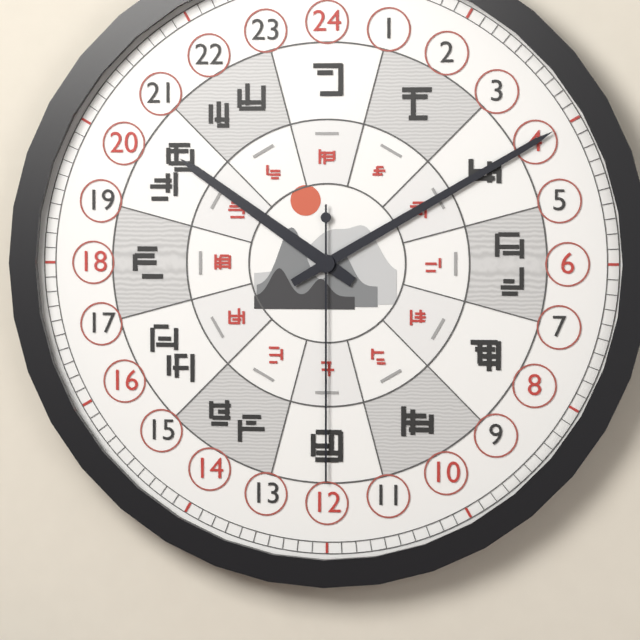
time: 10:10:30
